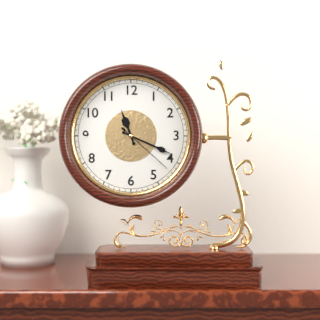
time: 11:19:22
